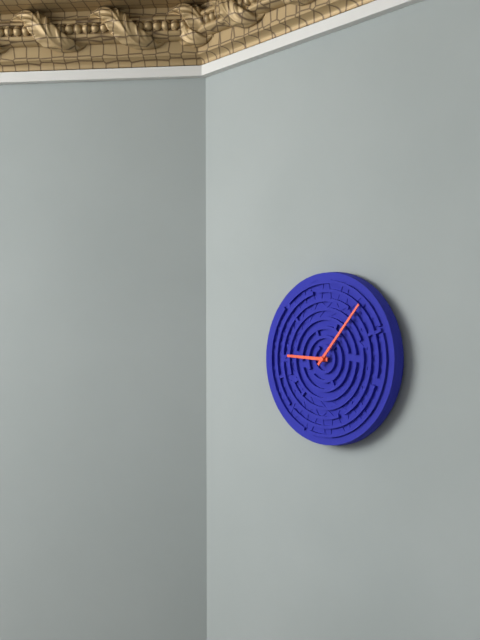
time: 9:07
